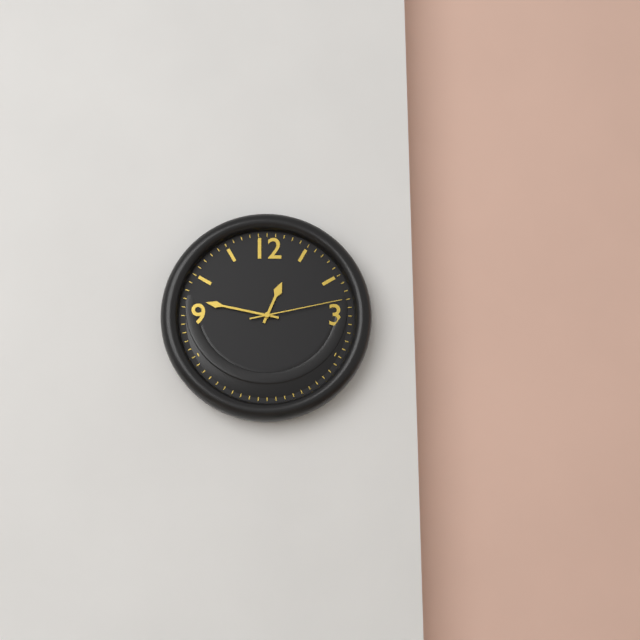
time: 12:47:13
